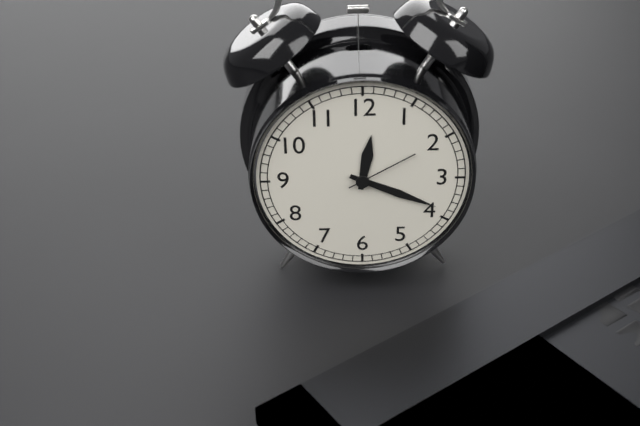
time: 12:19:10
